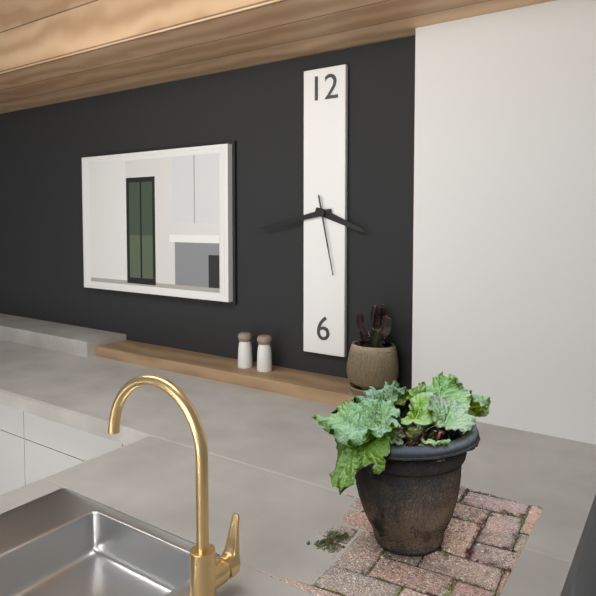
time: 3:43:28
